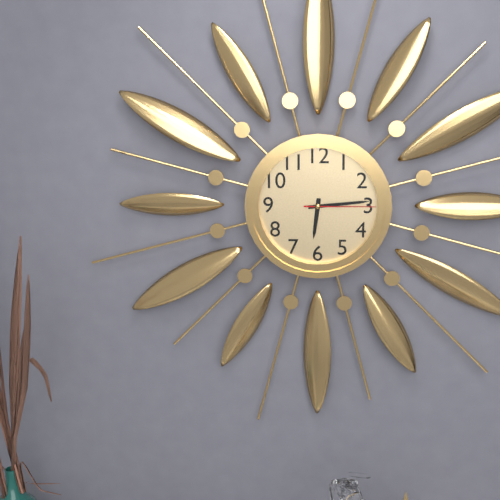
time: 6:14:15
